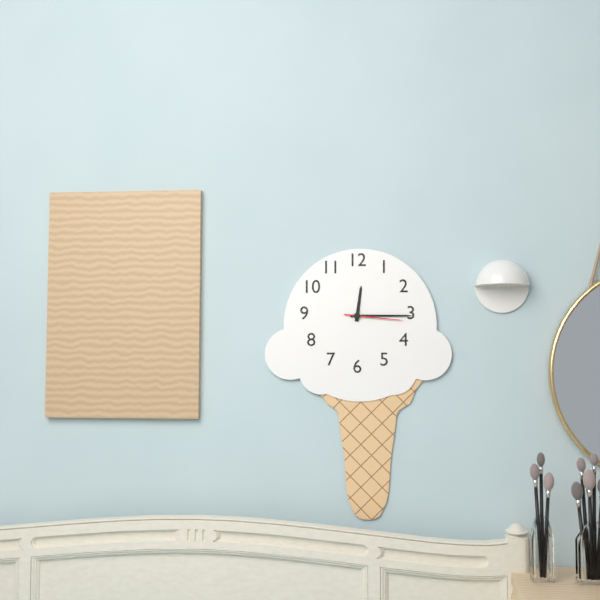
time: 12:15:16
